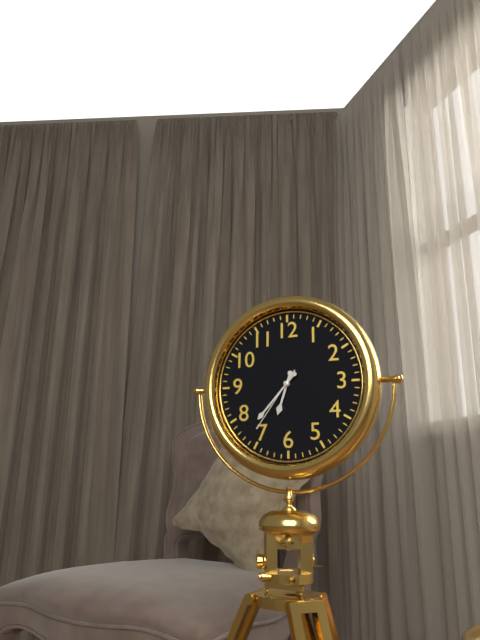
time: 6:37:36
